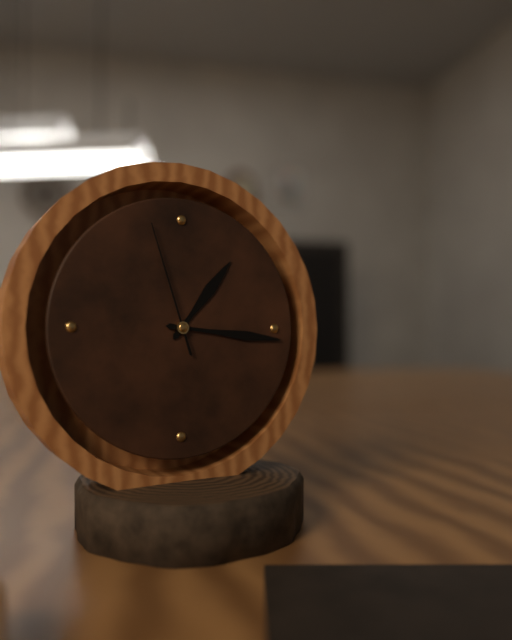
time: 1:16:57
